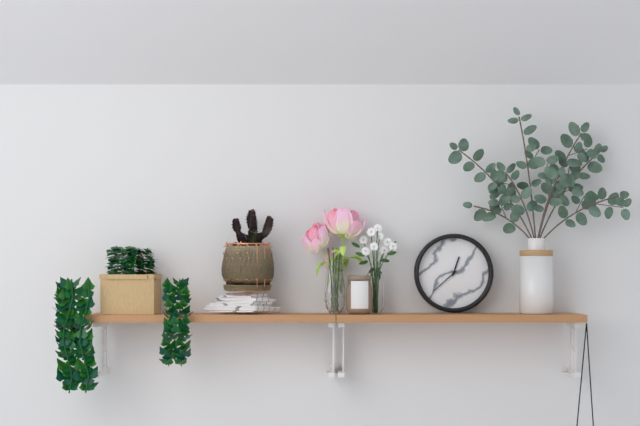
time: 12:38
